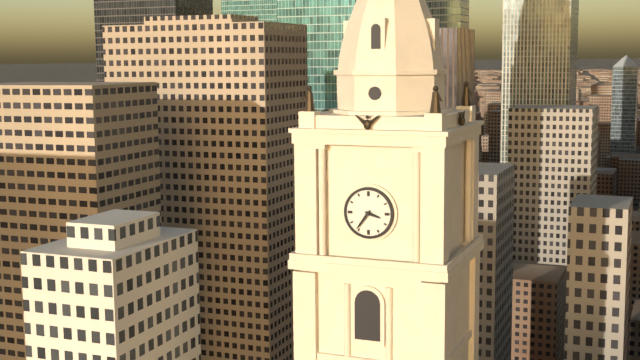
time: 3:36
